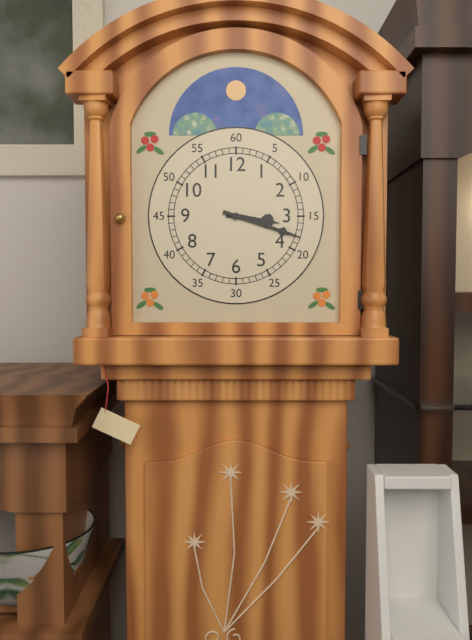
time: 3:18
